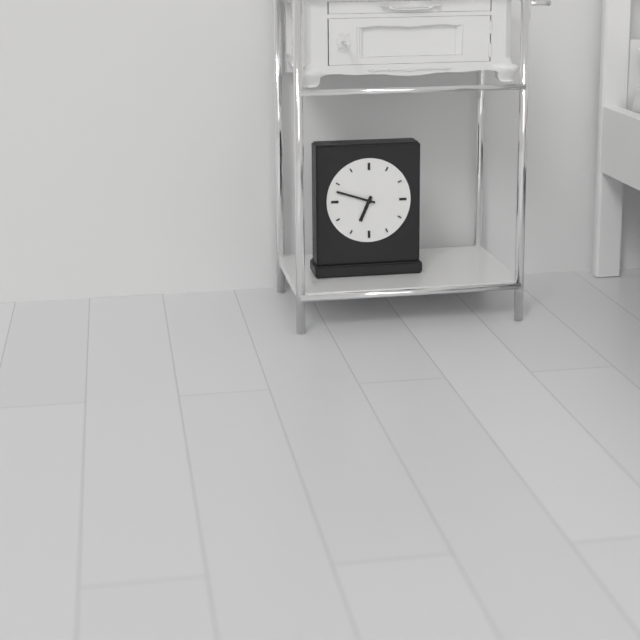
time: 6:48
